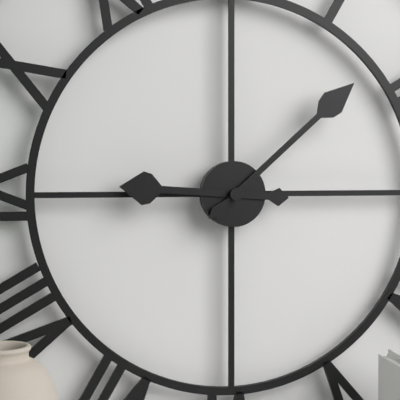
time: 9:08
